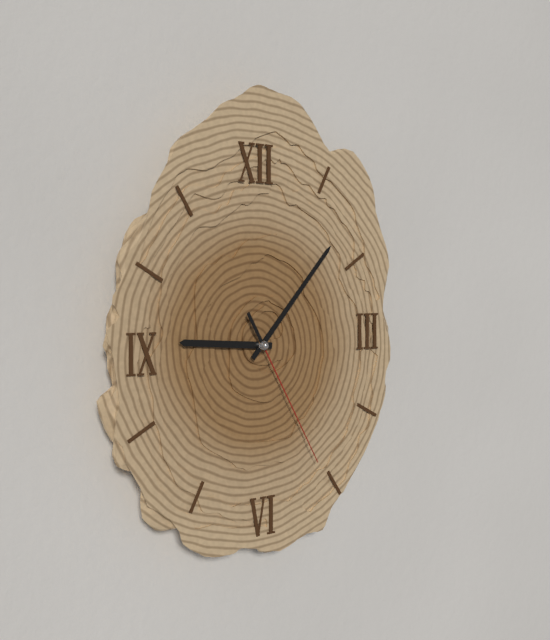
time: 9:07:25
